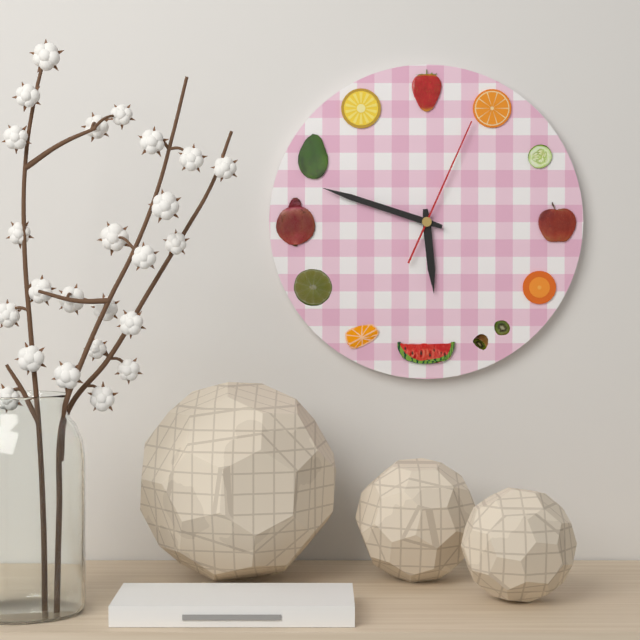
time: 5:48:04
